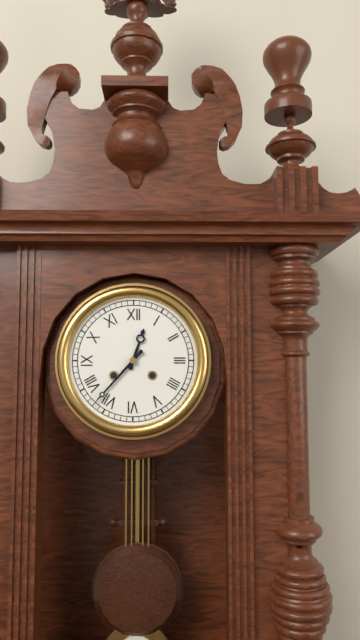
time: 12:37
